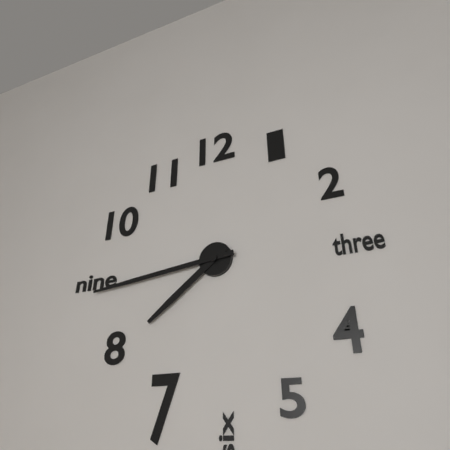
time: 7:44
